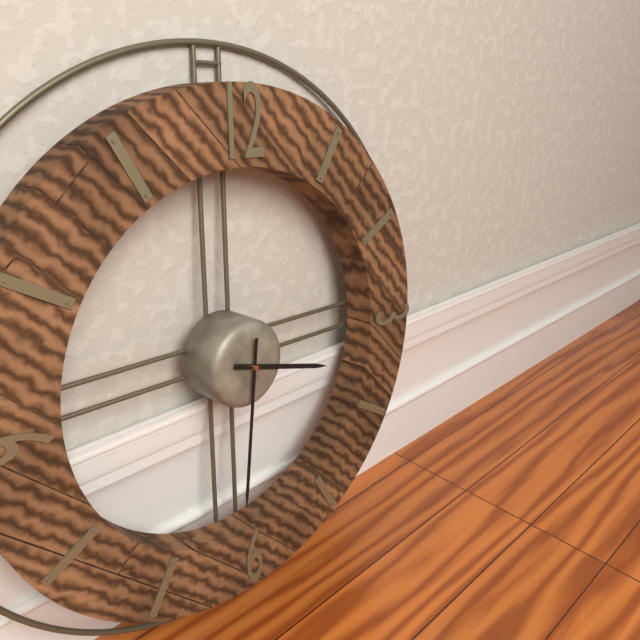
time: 3:31
